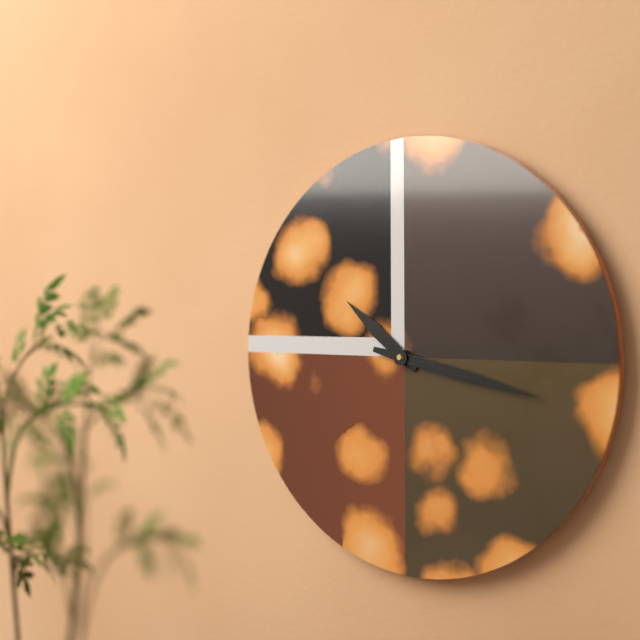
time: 10:17
